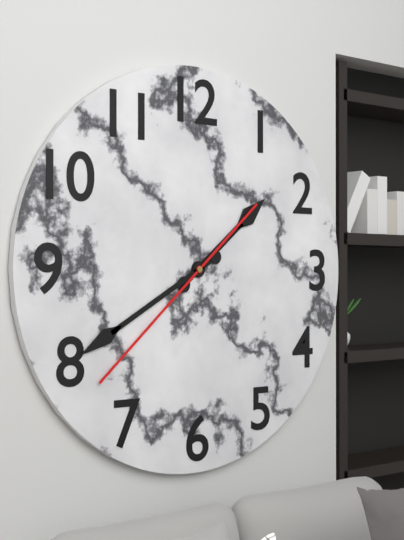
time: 1:40:38
